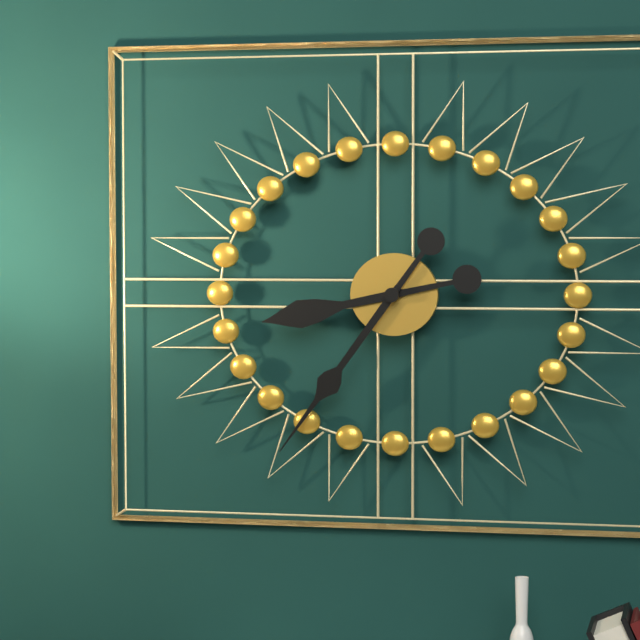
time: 8:36
